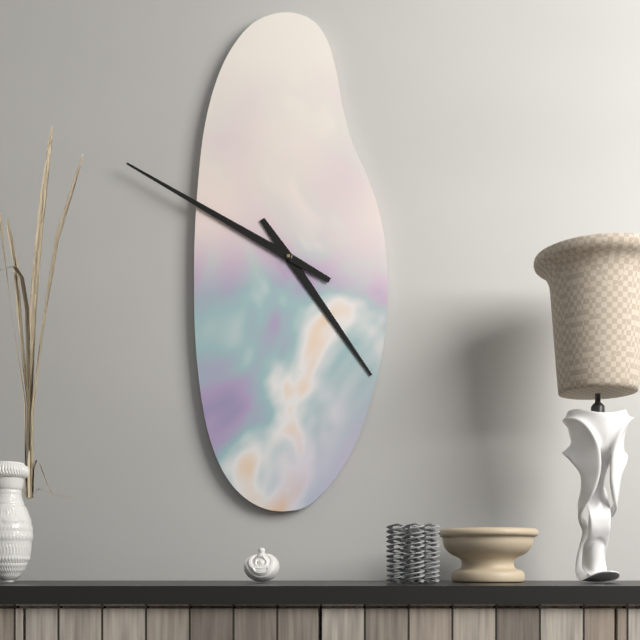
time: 4:50
